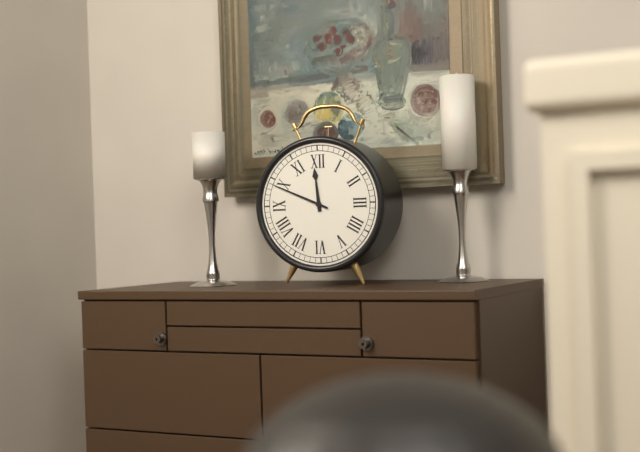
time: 11:49
